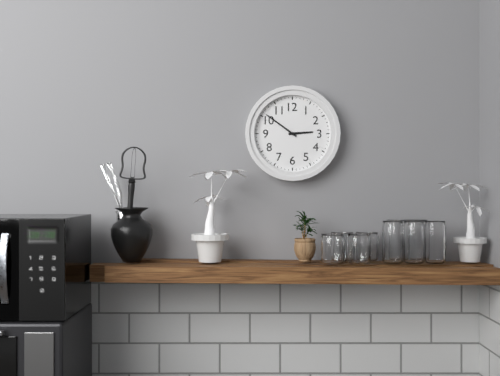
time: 2:51
